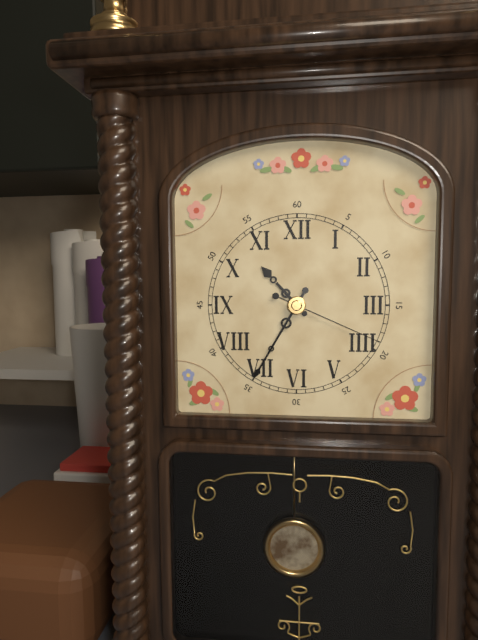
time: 10:35:19
